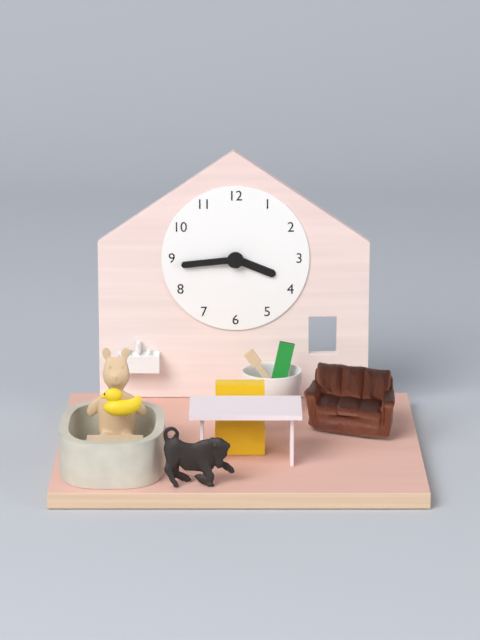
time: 3:44
